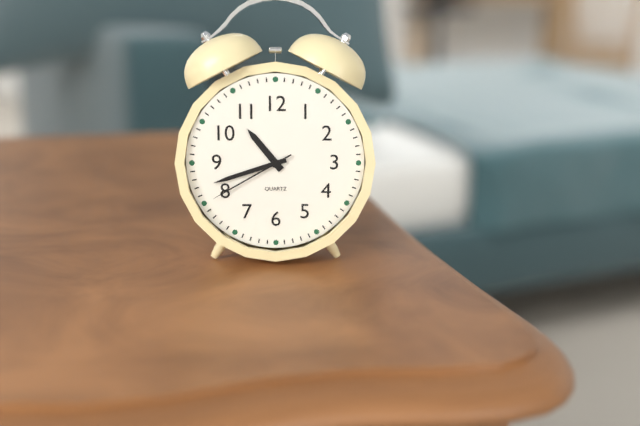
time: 10:42:40
